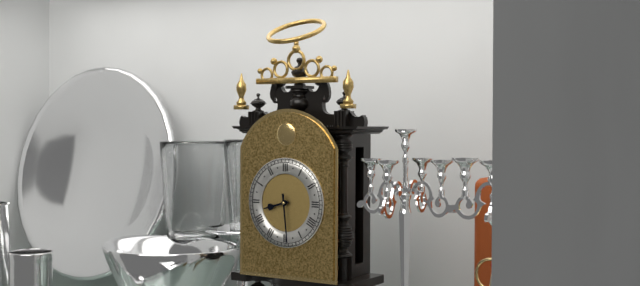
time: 8:29
